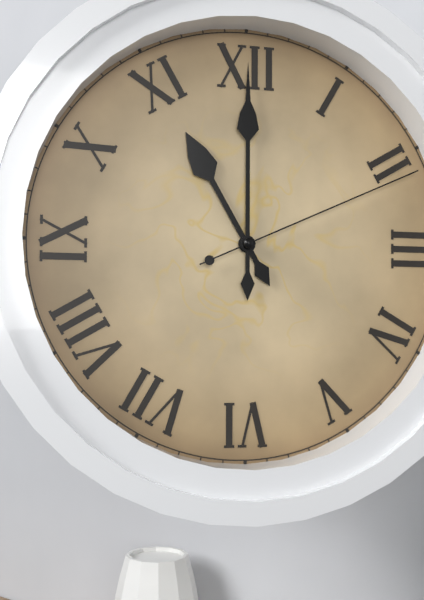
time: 11:00:11
